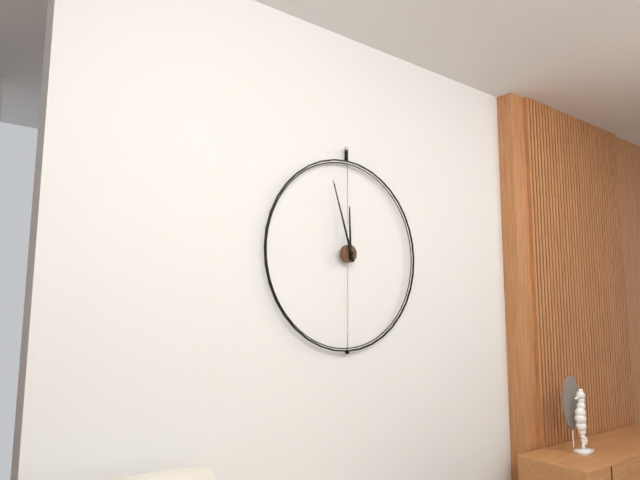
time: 11:57
